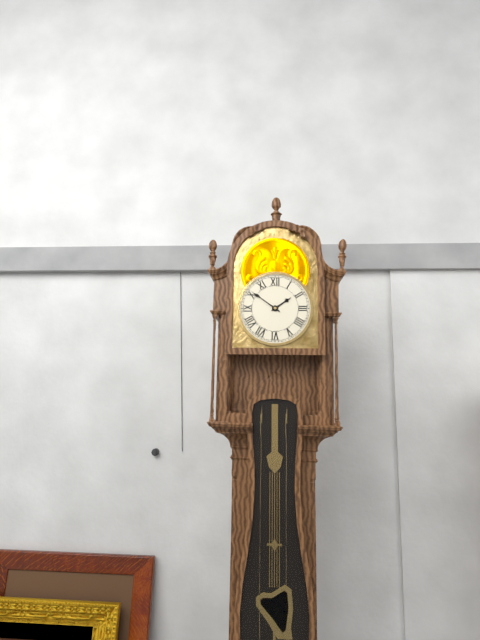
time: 1:51
